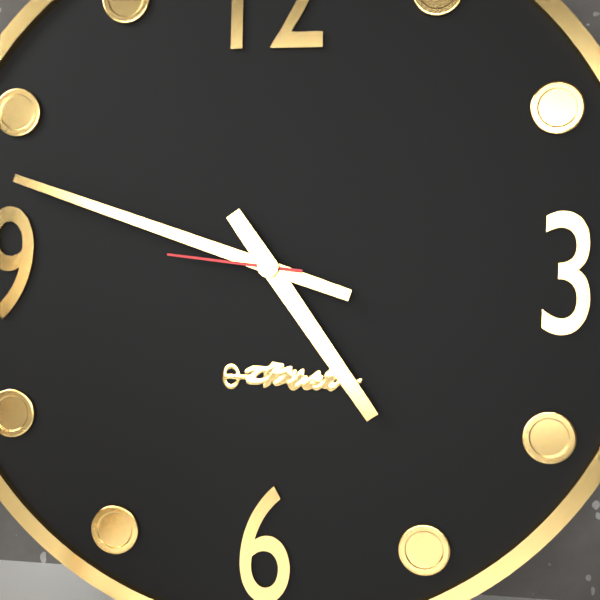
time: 4:48:46
